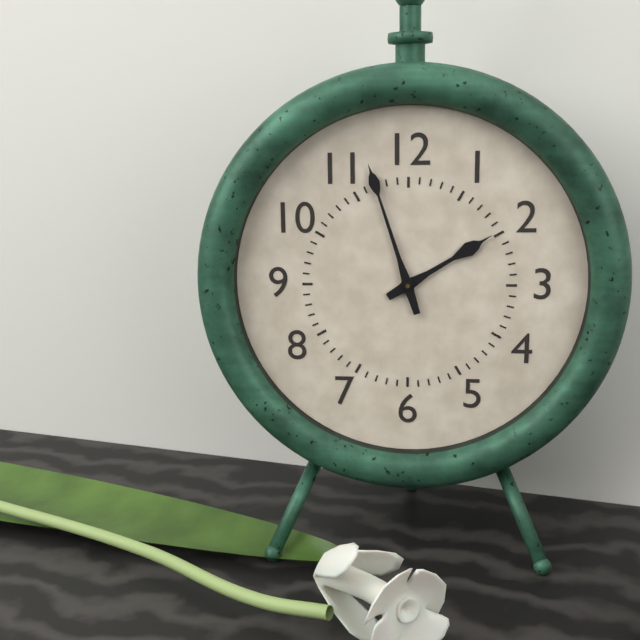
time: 1:57
